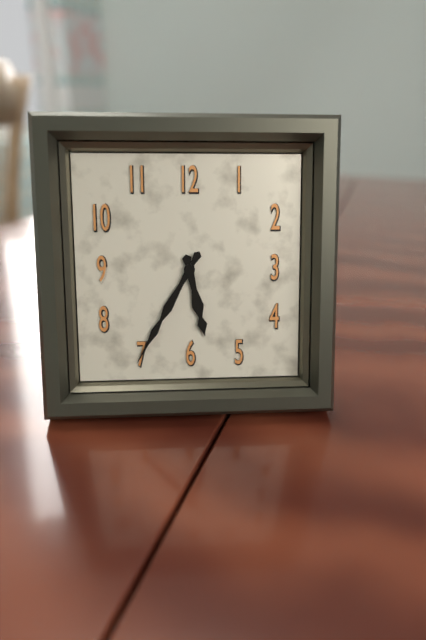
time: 5:35
